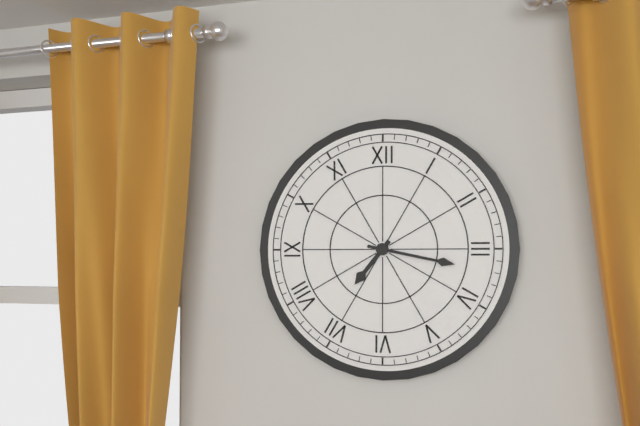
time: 7:17
